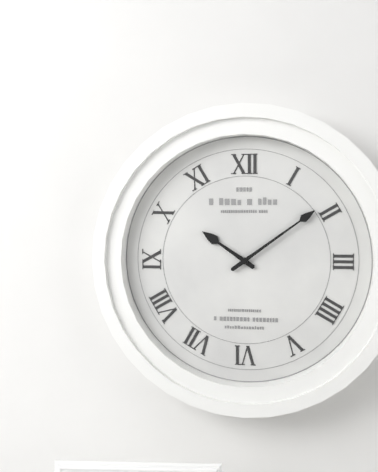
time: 10:09
